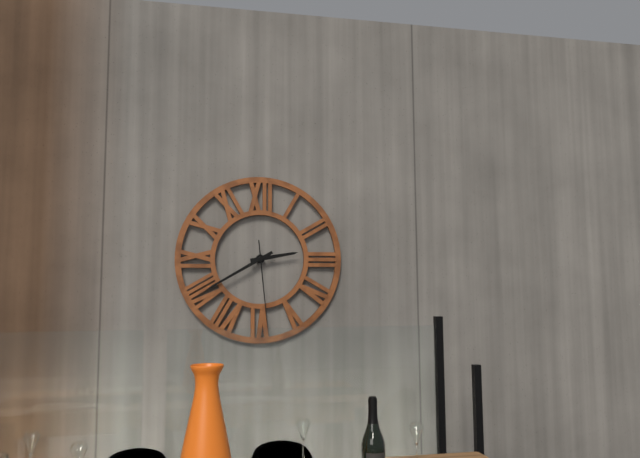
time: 2:40:29
